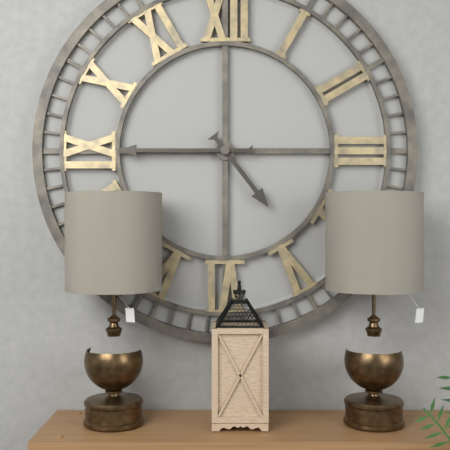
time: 4:45
